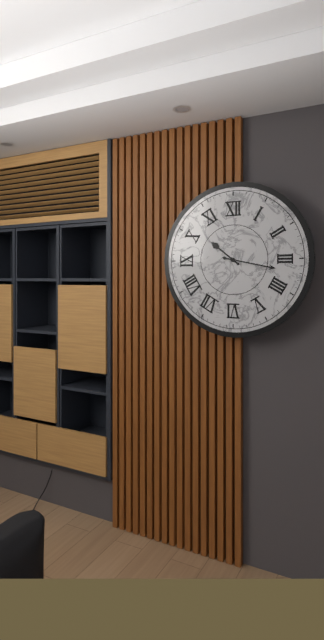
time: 10:17
